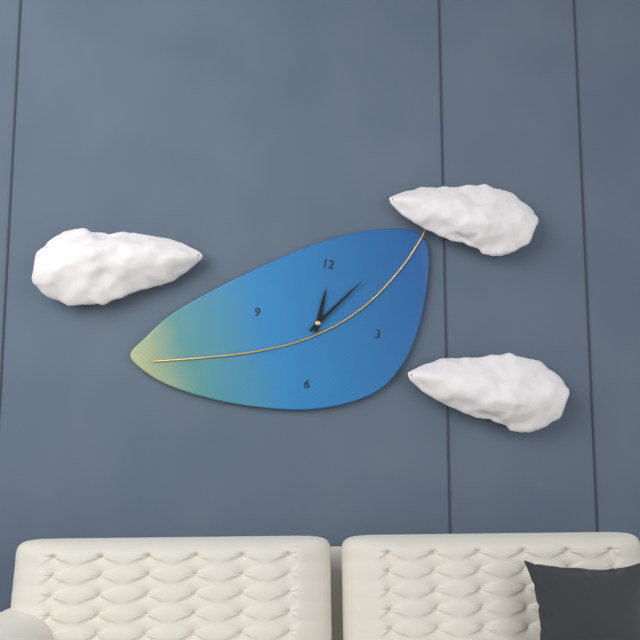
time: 12:06
